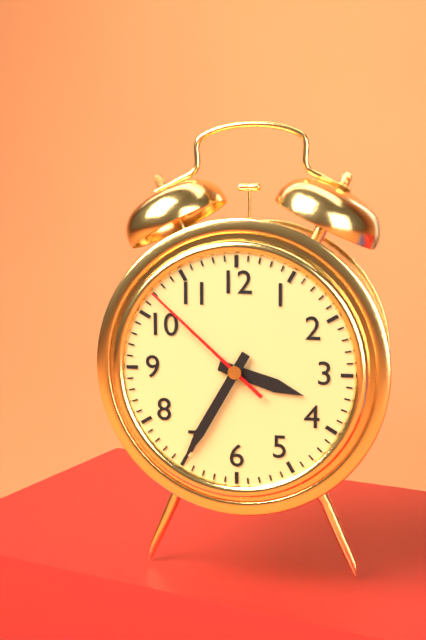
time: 3:35:52
